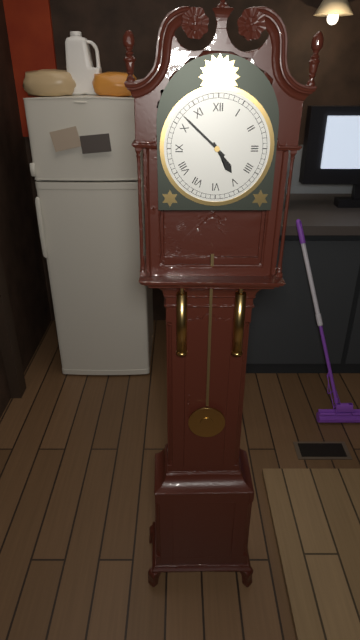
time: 4:52
